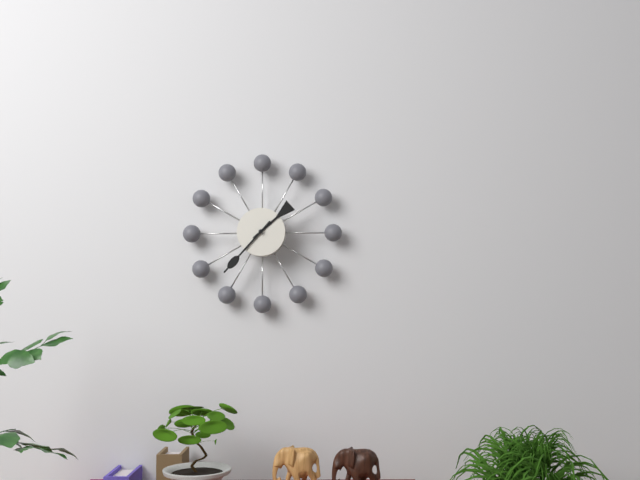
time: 1:37
